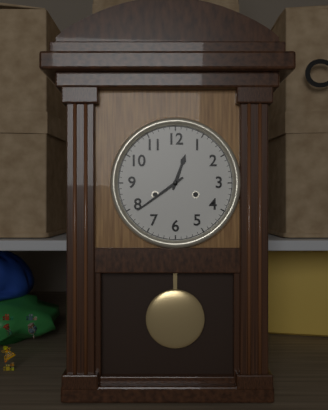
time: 12:39
